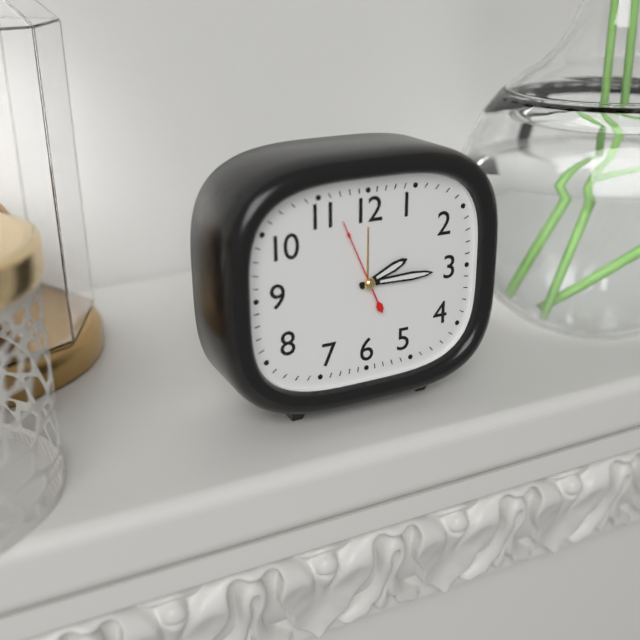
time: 2:15:56
